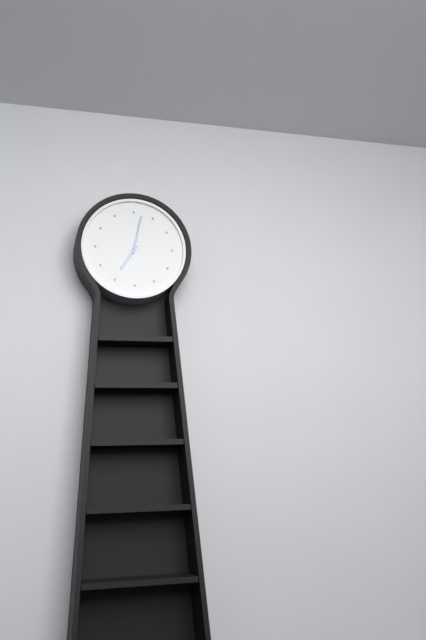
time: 7:02
